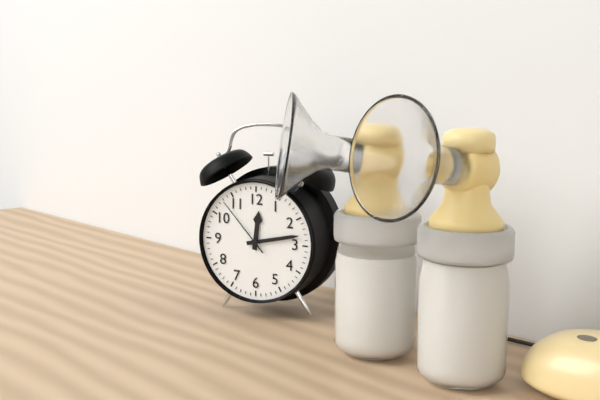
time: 12:13:53
